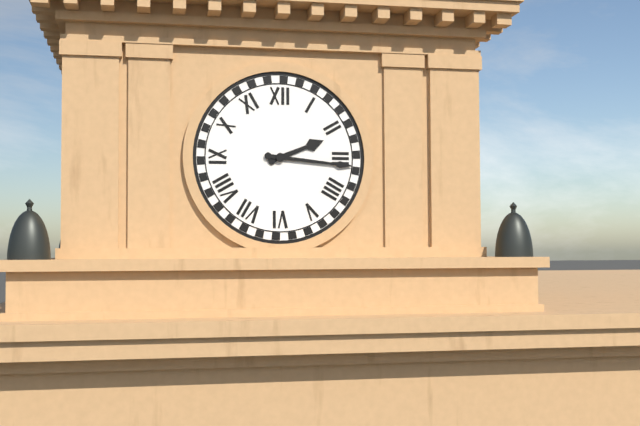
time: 2:16
